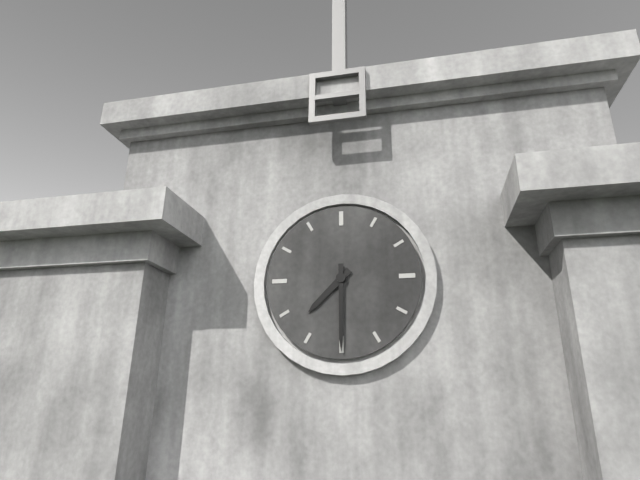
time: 7:30
